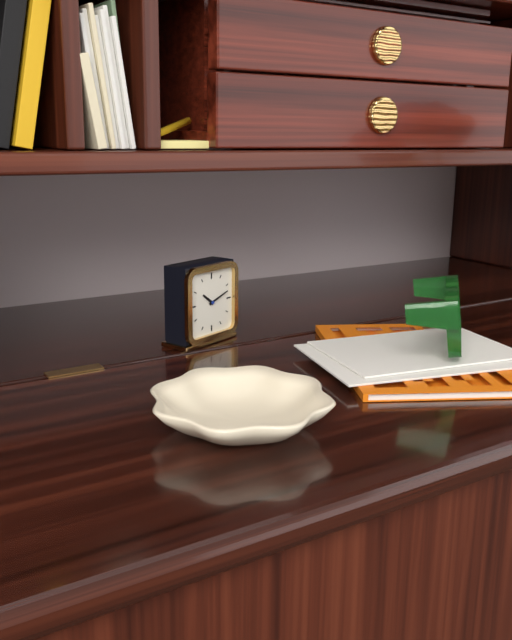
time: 10:12
